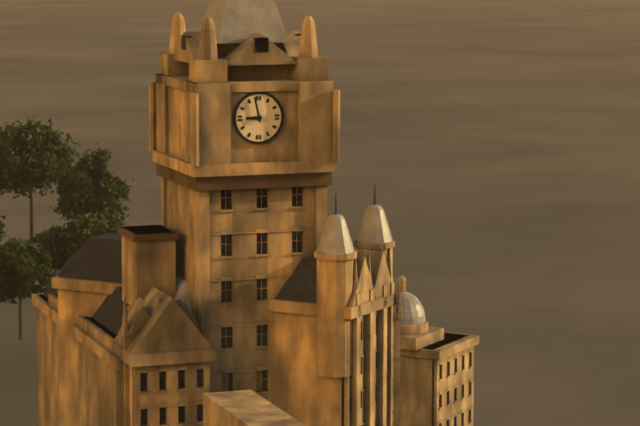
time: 8:58
